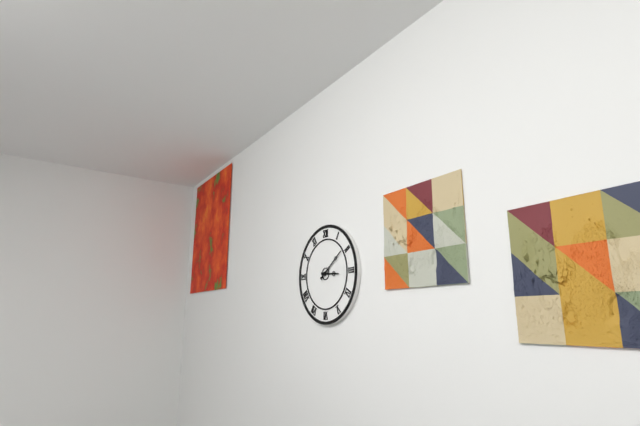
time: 3:09
